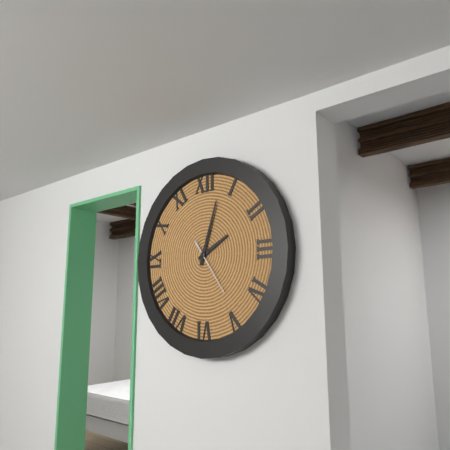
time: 2:03:24
